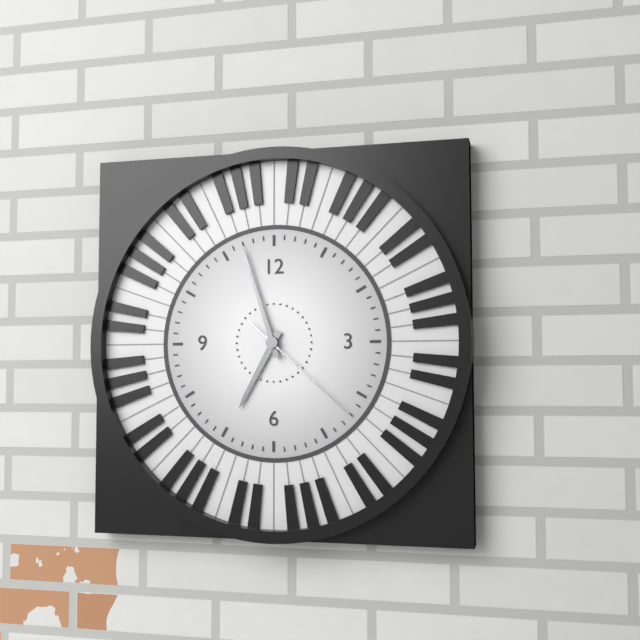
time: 6:57:22
